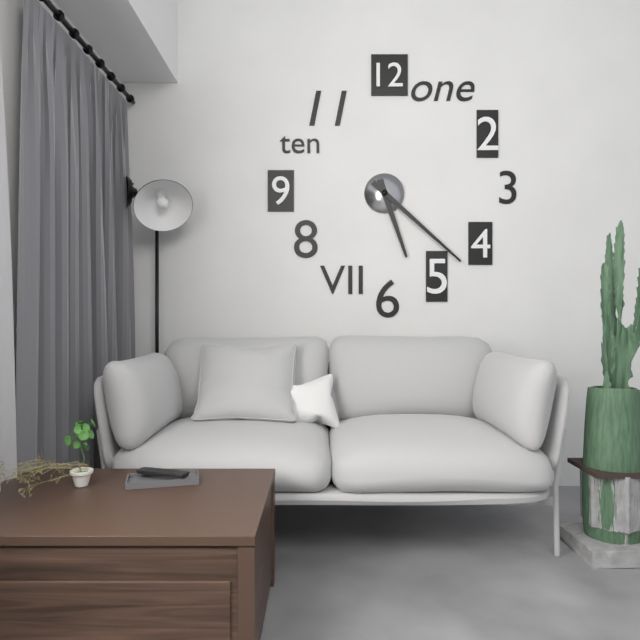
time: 5:22
